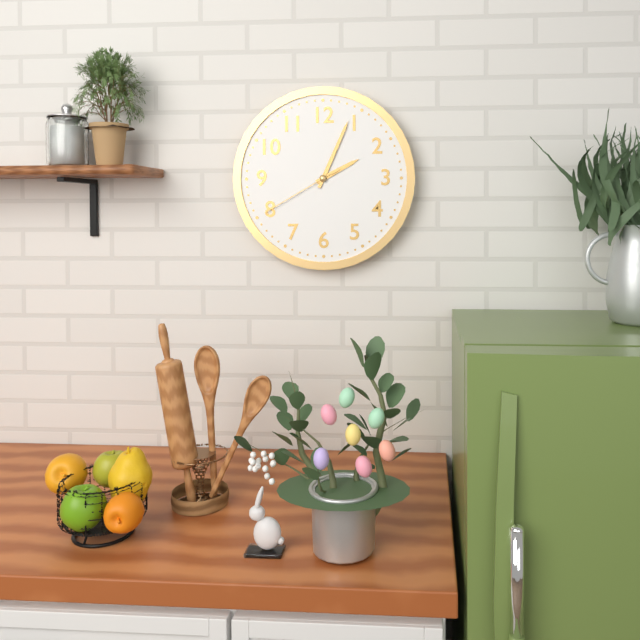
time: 2:04:40
